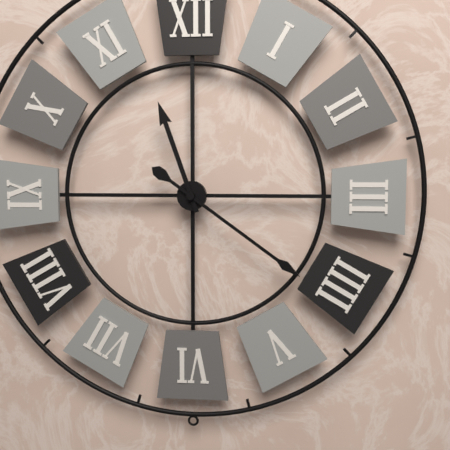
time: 11:21
